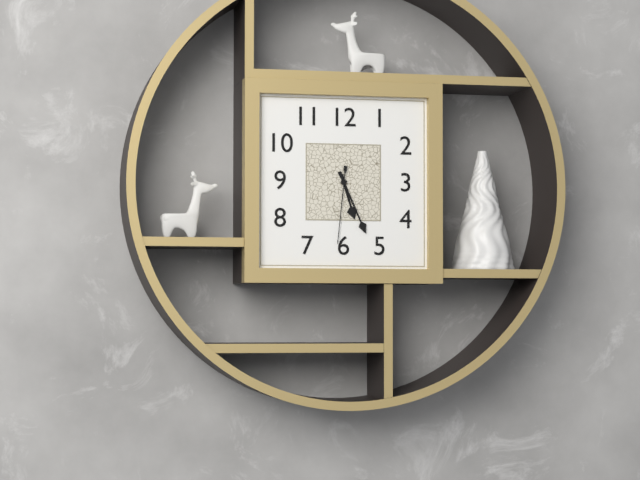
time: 5:26:31
